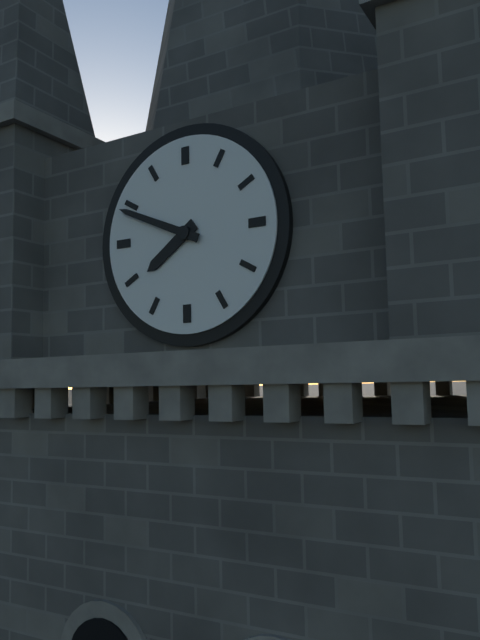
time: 7:49
